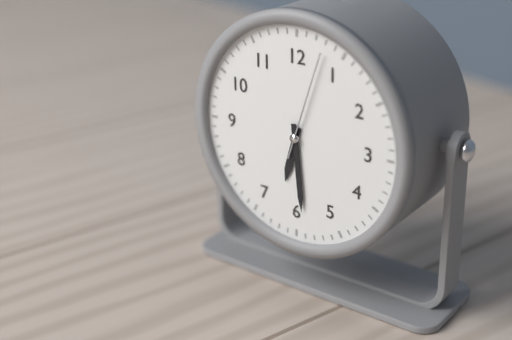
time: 6:29:03
